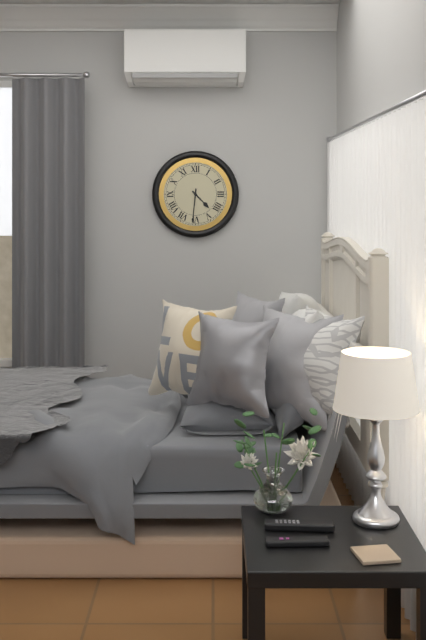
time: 4:31
